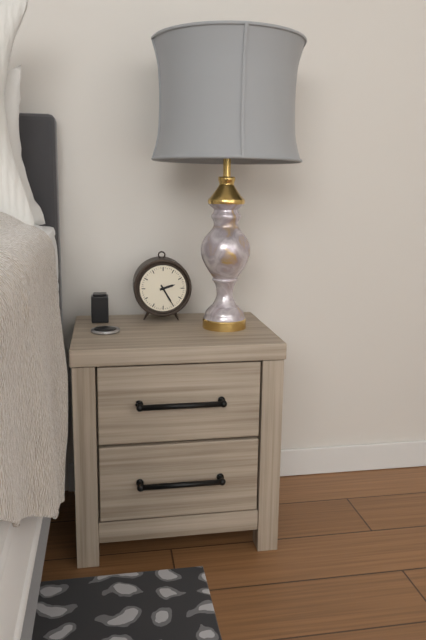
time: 2:25
